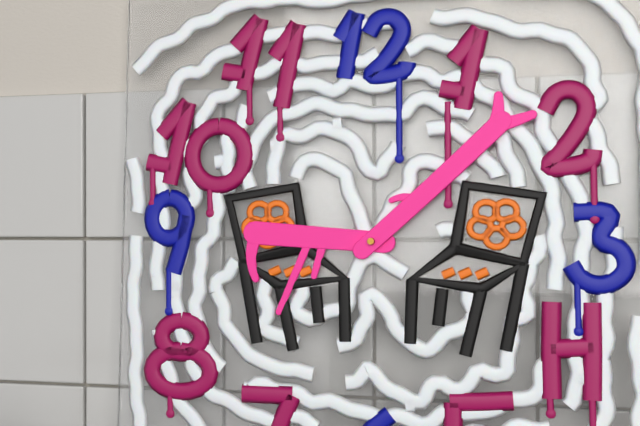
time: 9:08
